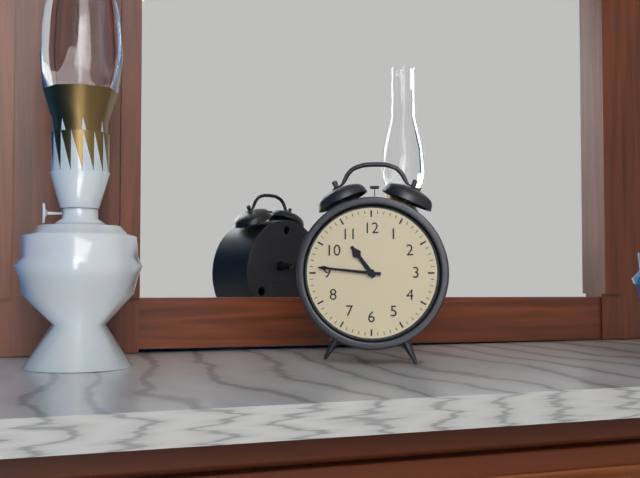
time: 10:46
